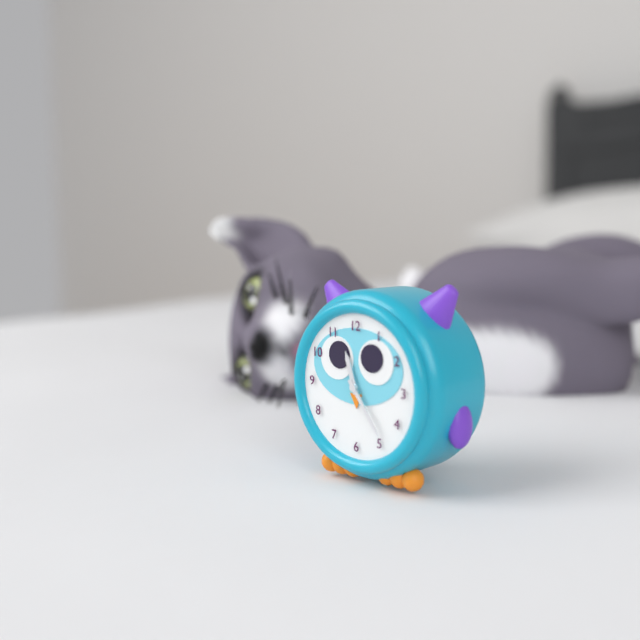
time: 11:24
